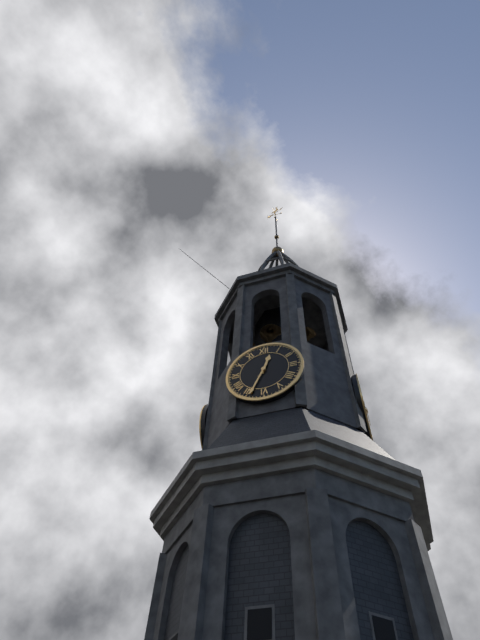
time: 12:34
